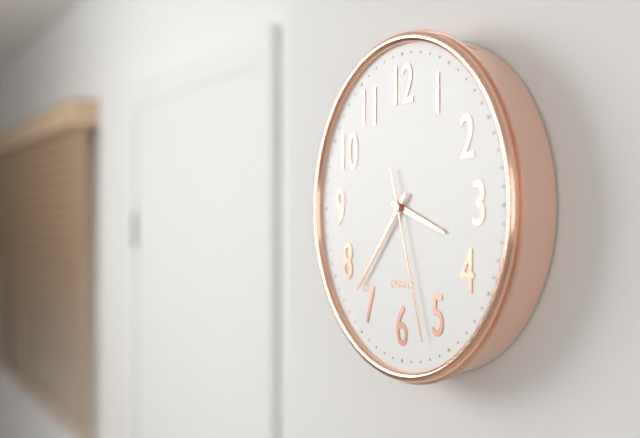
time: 3:37:27
